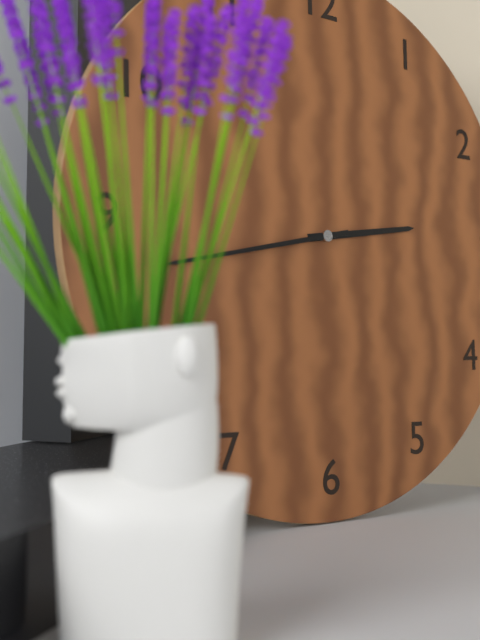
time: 2:43
